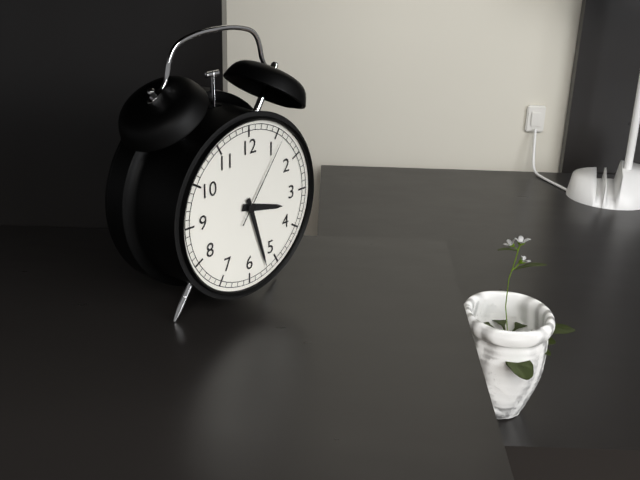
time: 3:27:06
